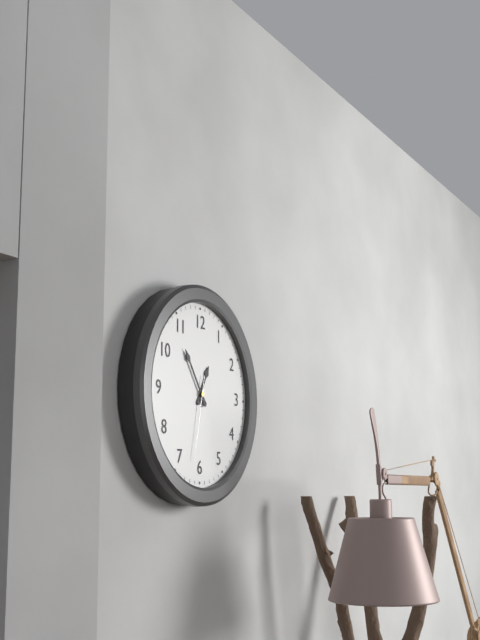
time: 12:54:32
